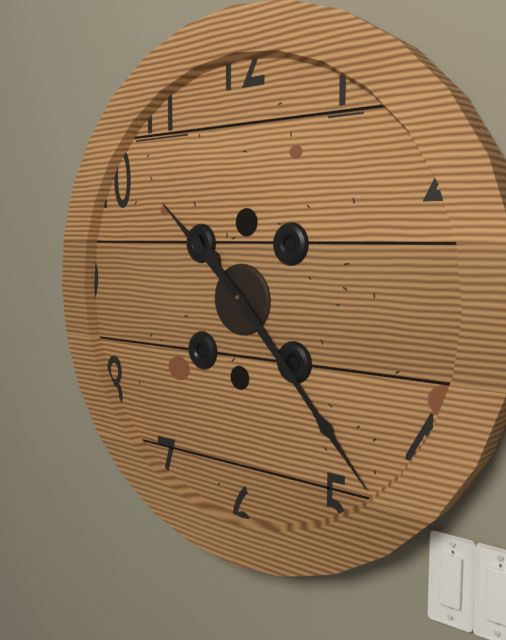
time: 10:23
